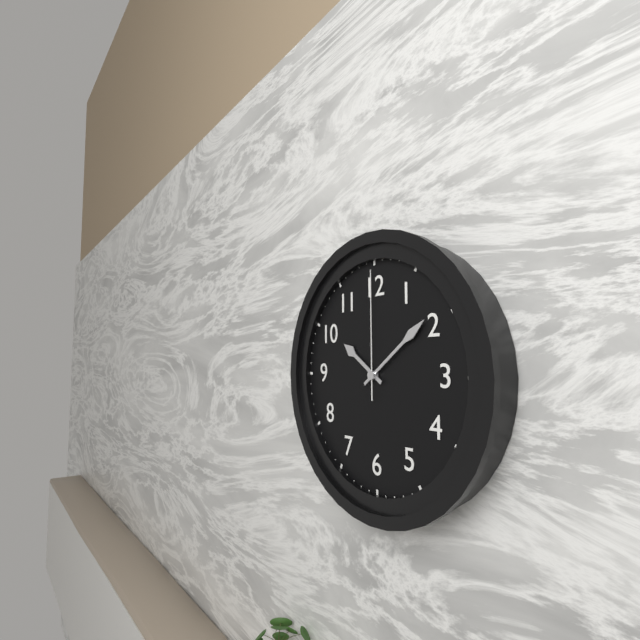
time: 10:09:00
